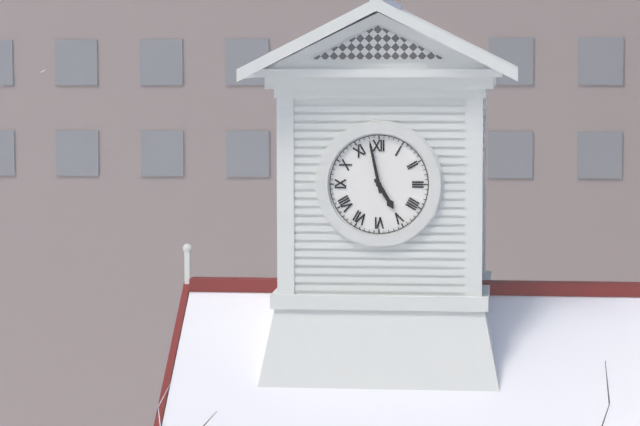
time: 4:58
